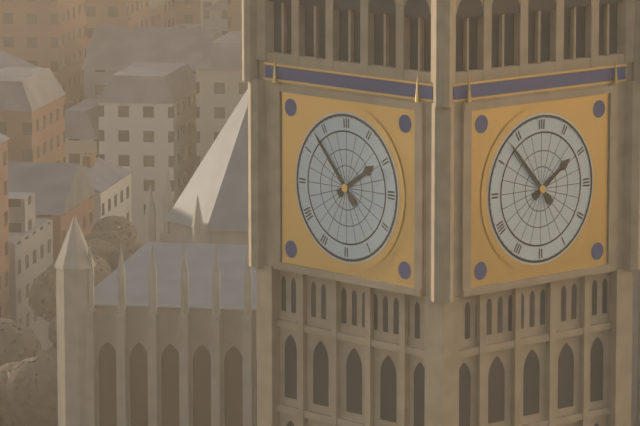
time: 1:53
